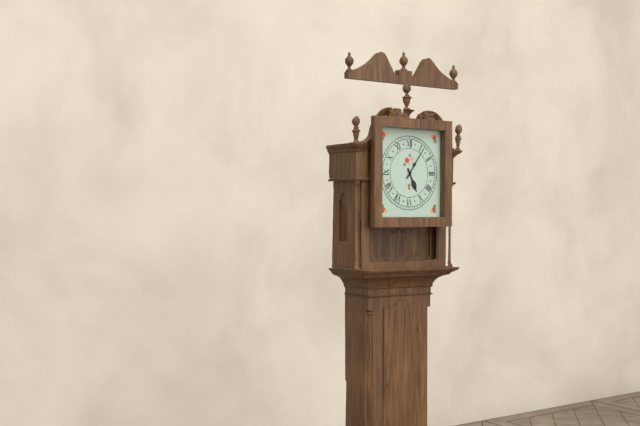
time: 5:06
